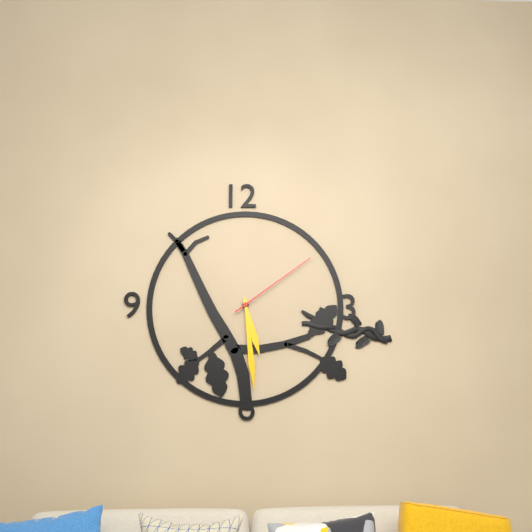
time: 5:29:09
